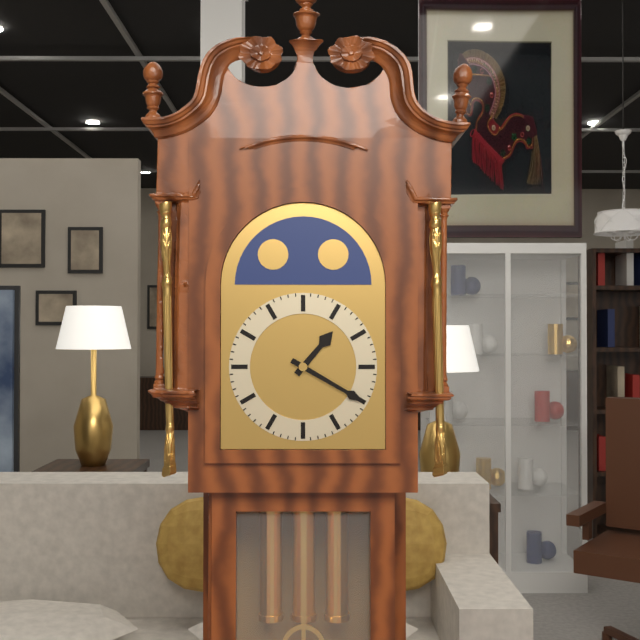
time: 1:20
